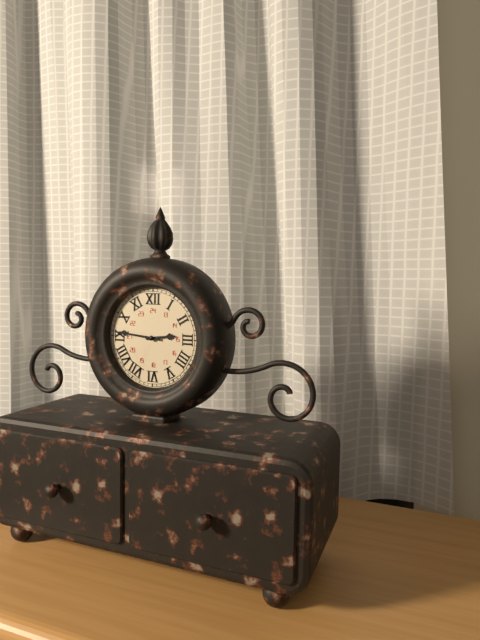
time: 2:46
